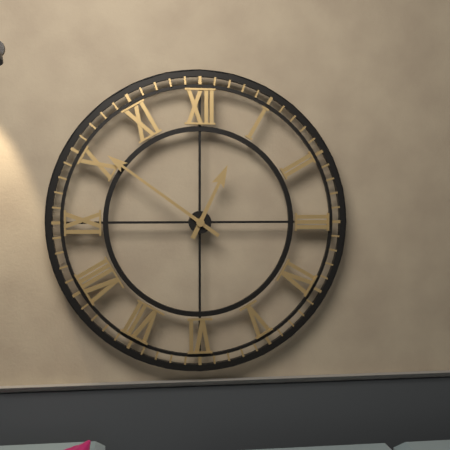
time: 12:51
